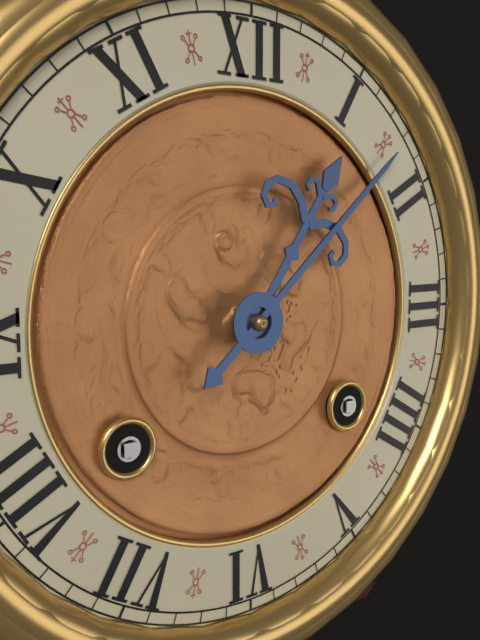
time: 1:08
